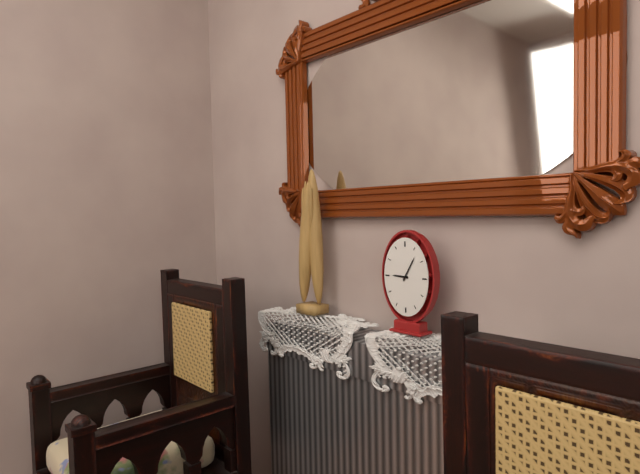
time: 9:05
